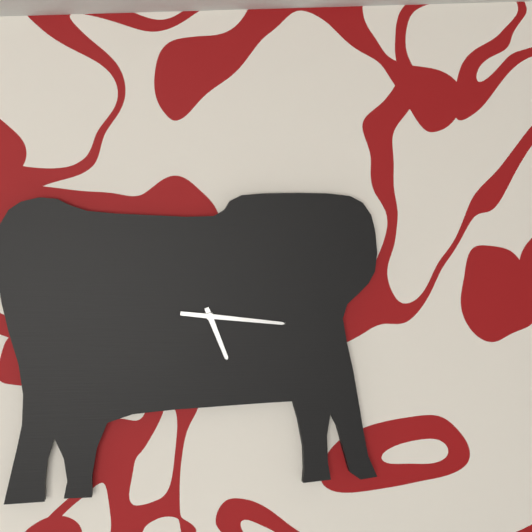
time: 5:16
